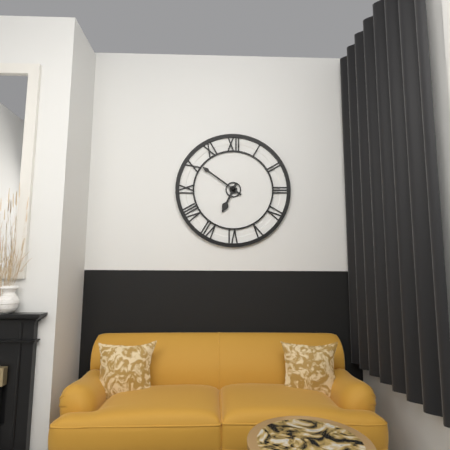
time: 6:51
